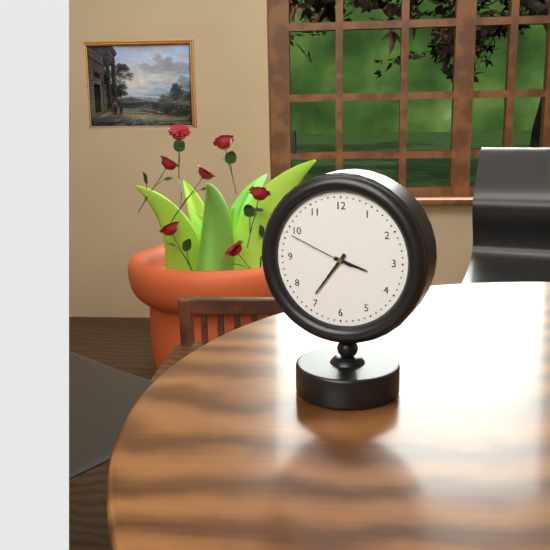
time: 3:36:49
